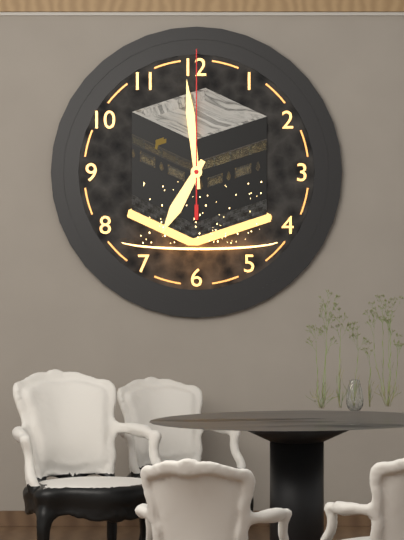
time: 6:59:00
